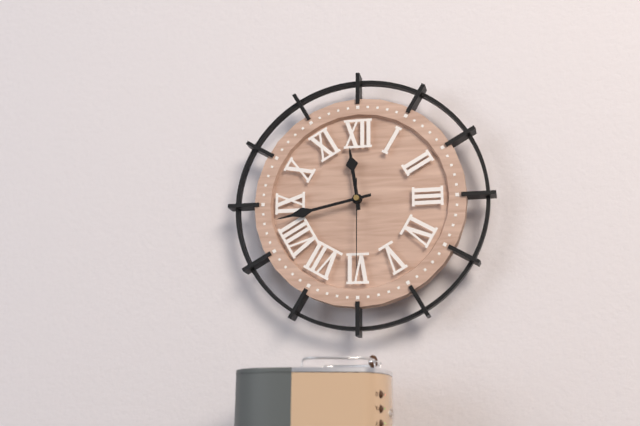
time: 11:43:30
